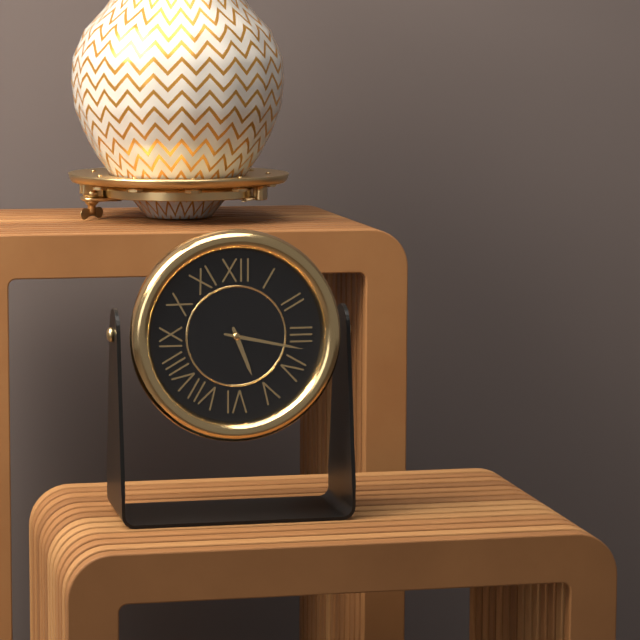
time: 5:17
